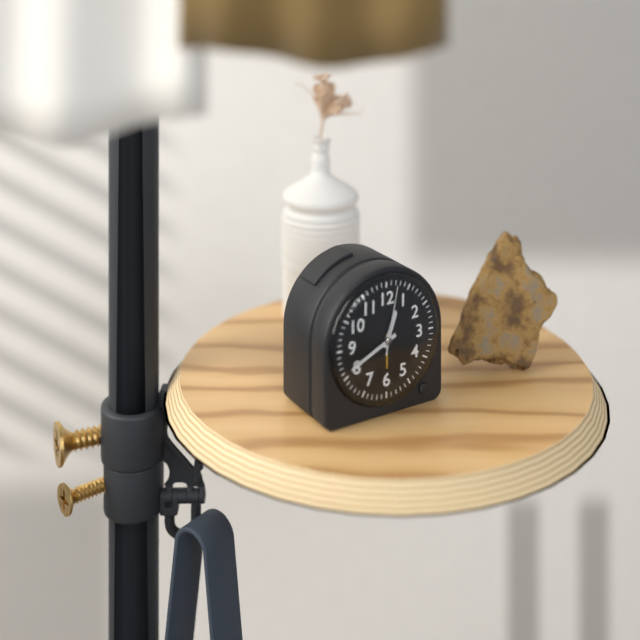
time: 12:41:02
